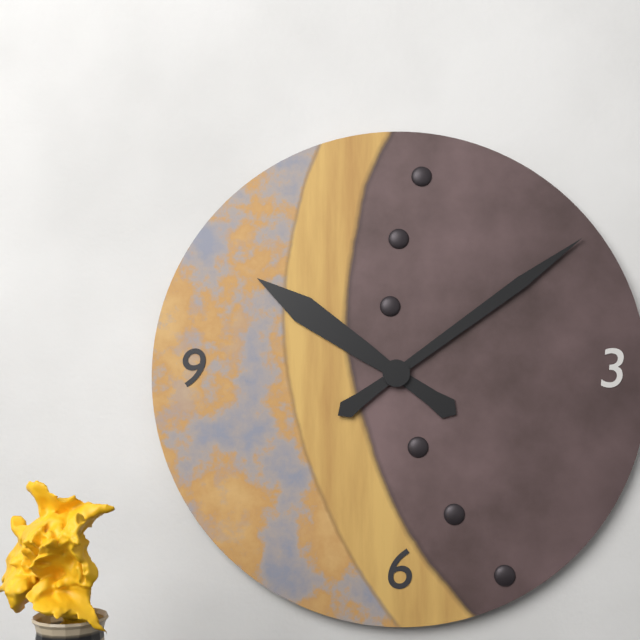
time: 10:09
